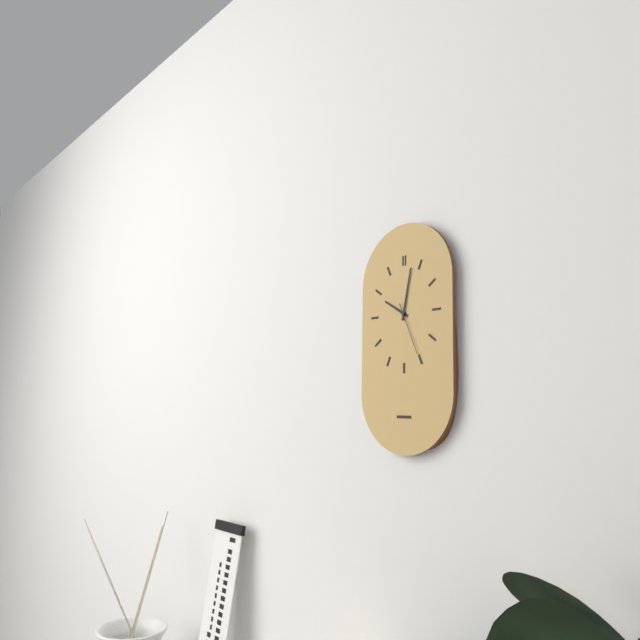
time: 10:02:26
